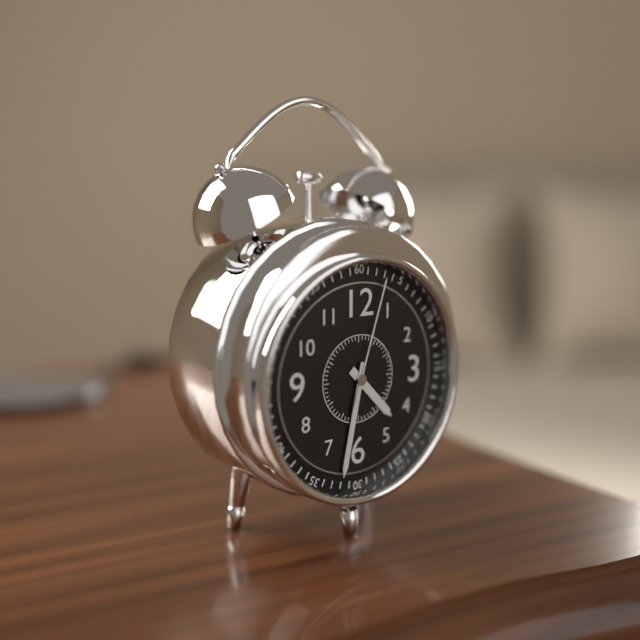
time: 4:32:03
